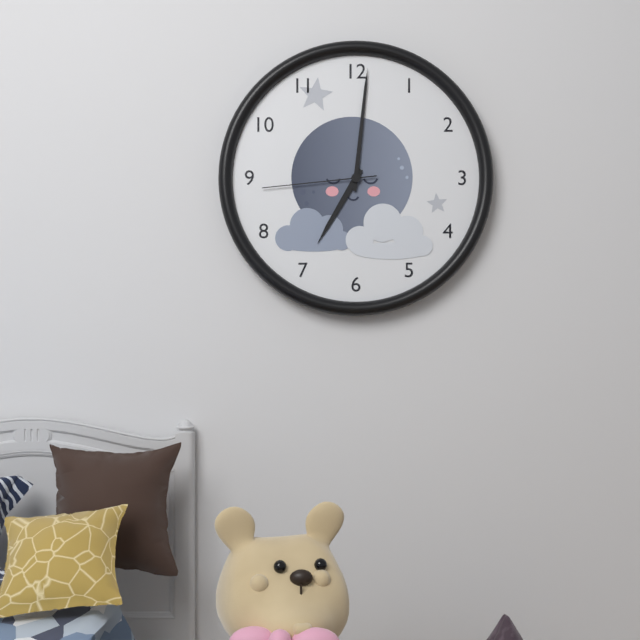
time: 7:01:44
